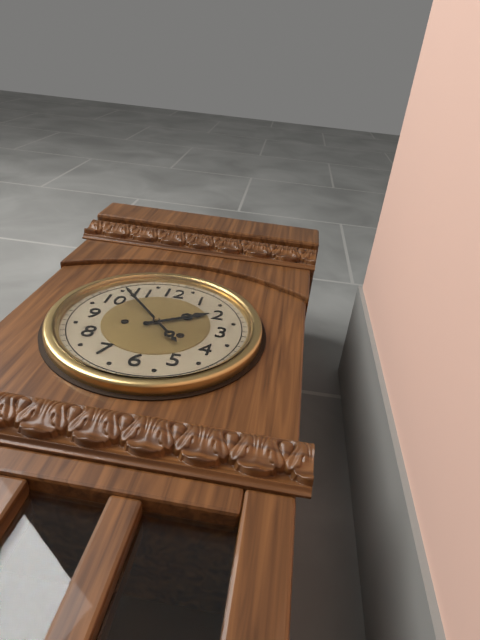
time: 1:53
